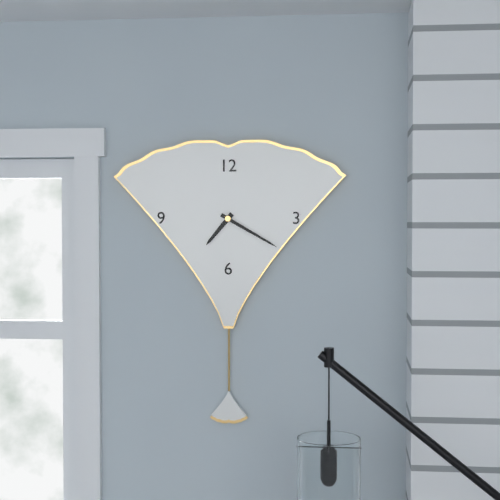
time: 7:20
